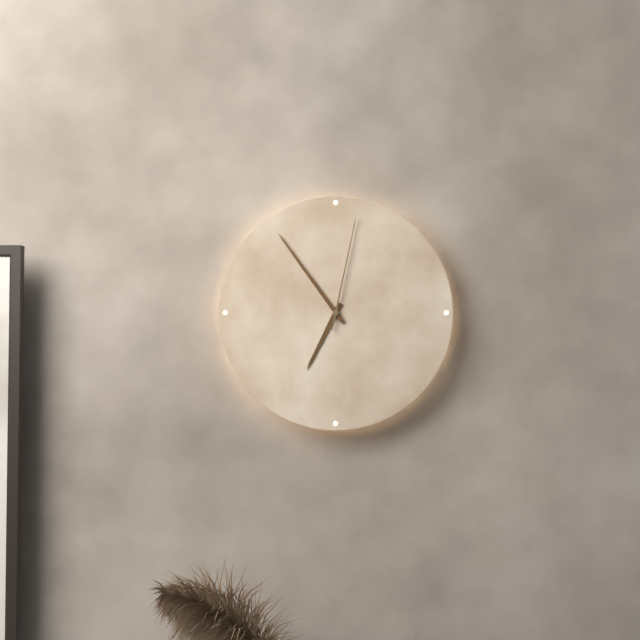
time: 6:54:02
